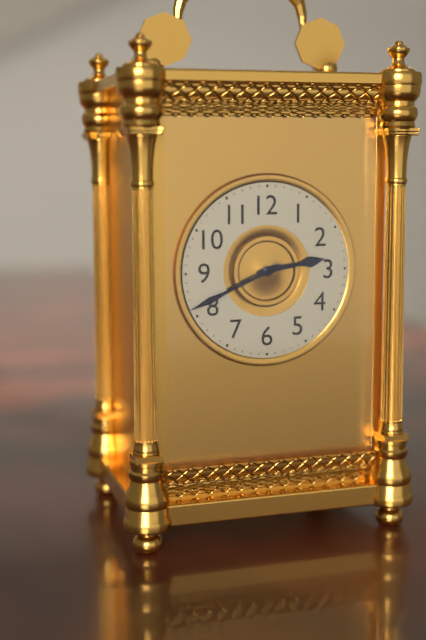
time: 2:41
